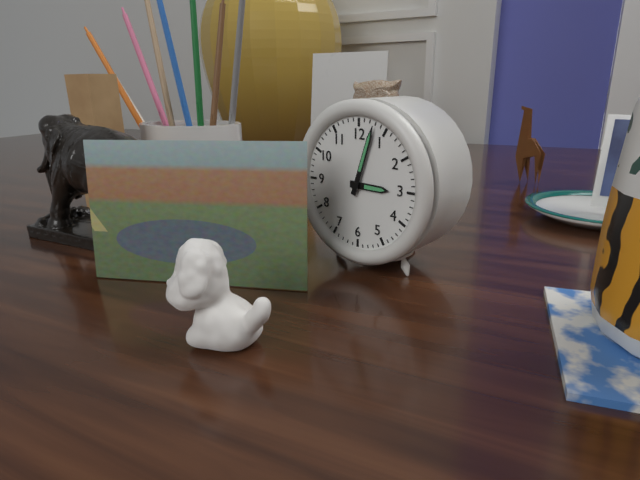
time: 3:03
